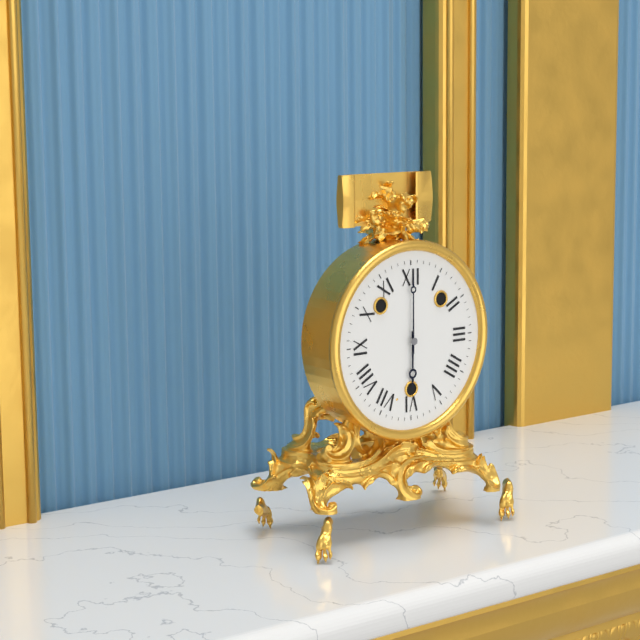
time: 6:00
